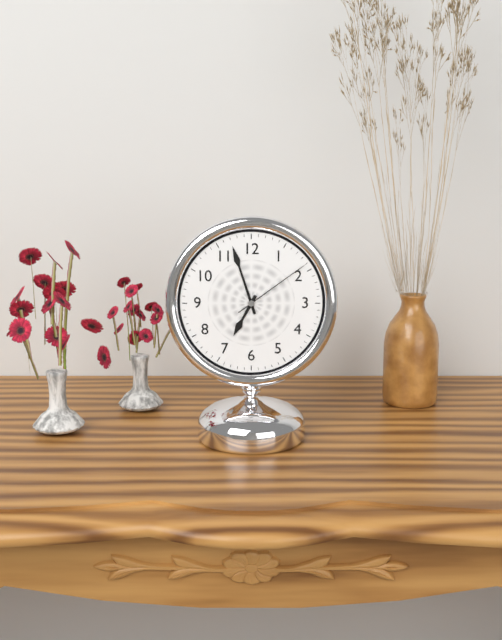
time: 6:57:09
